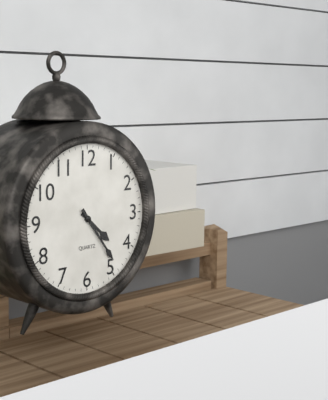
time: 4:24
